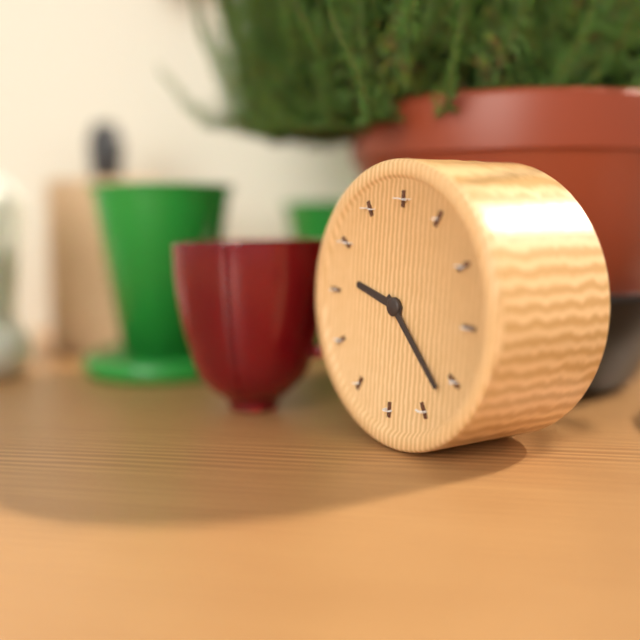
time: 9:22
